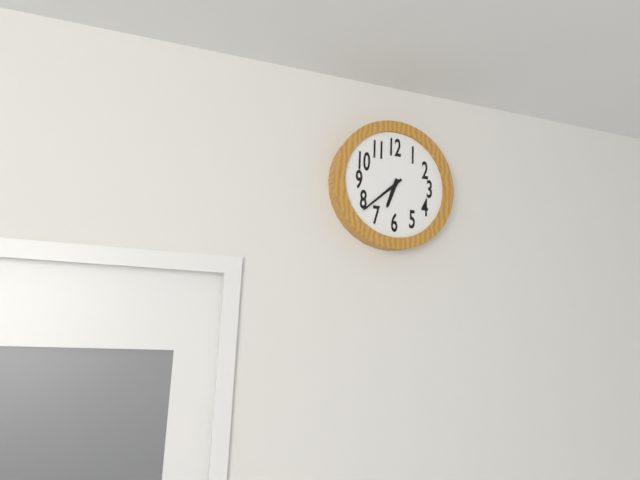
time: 6:38
